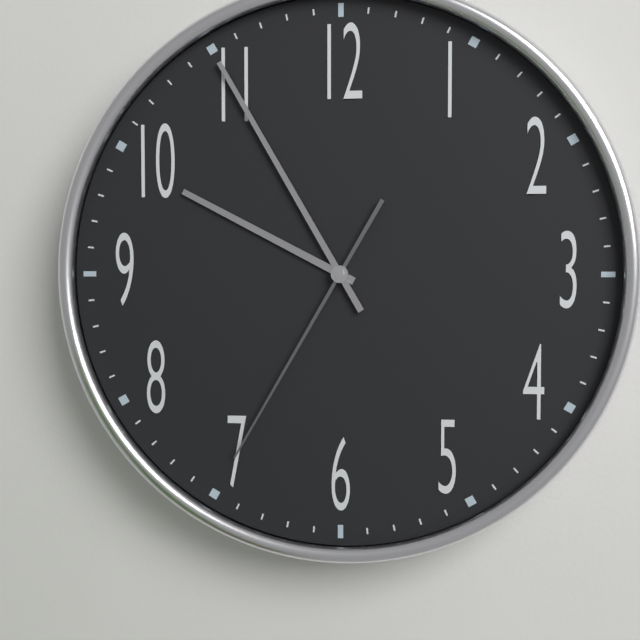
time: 9:55:35
